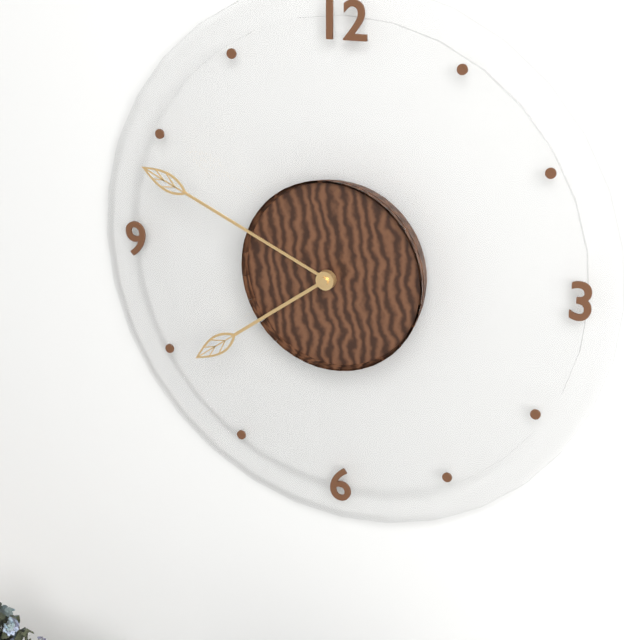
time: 7:49
